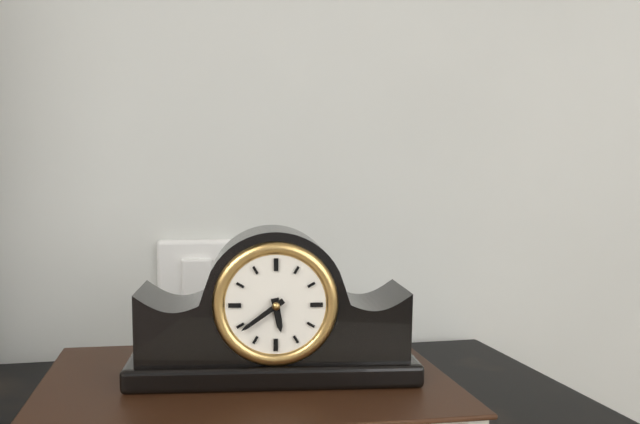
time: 5:39
